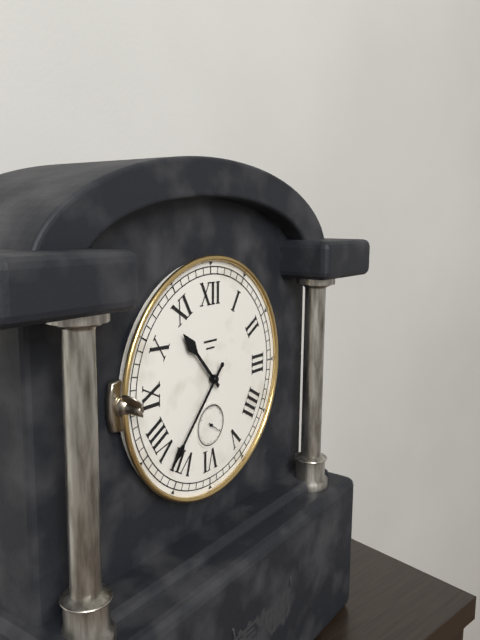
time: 10:37
